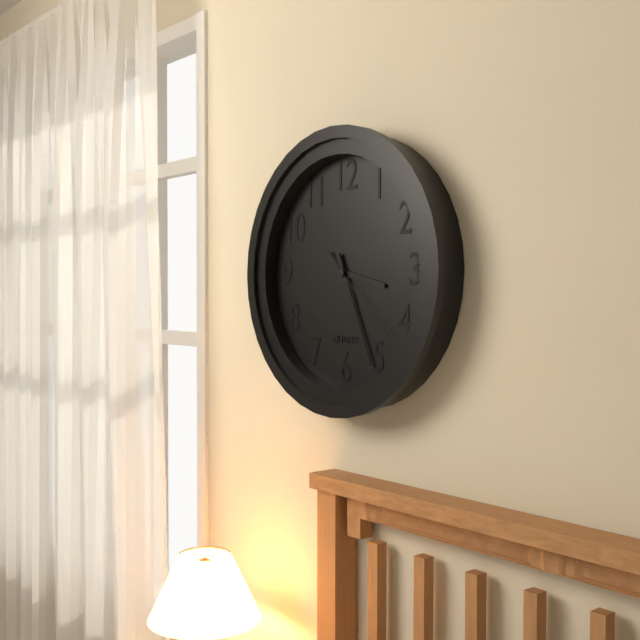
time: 3:26:22
